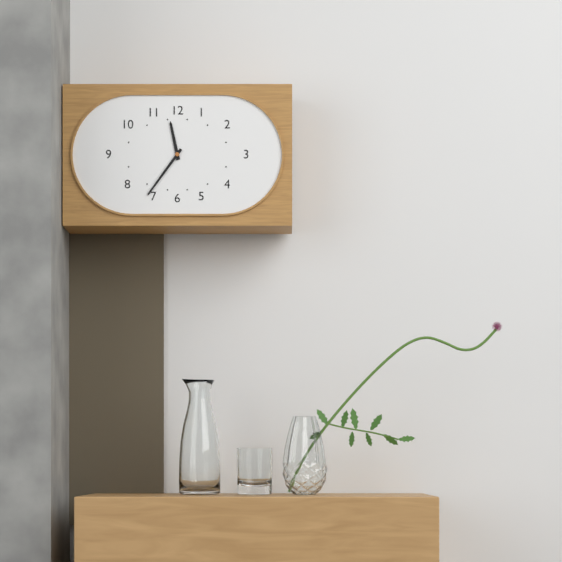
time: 11:36
